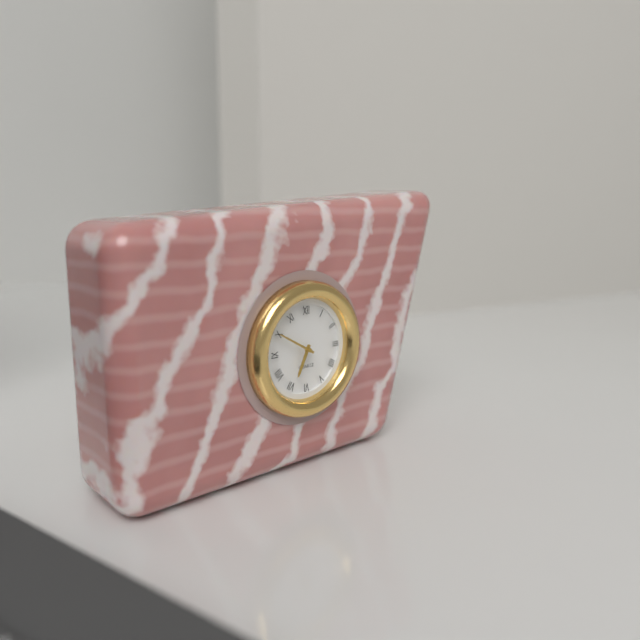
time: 6:50
